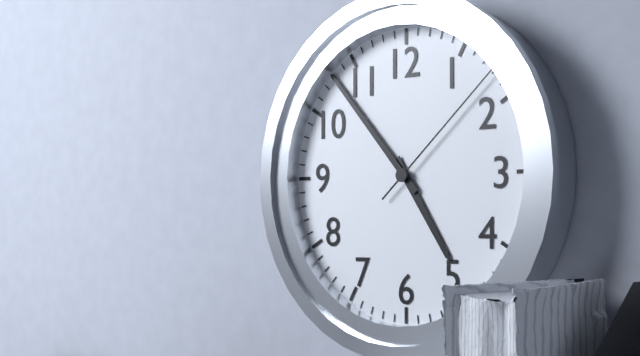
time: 4:53:08
